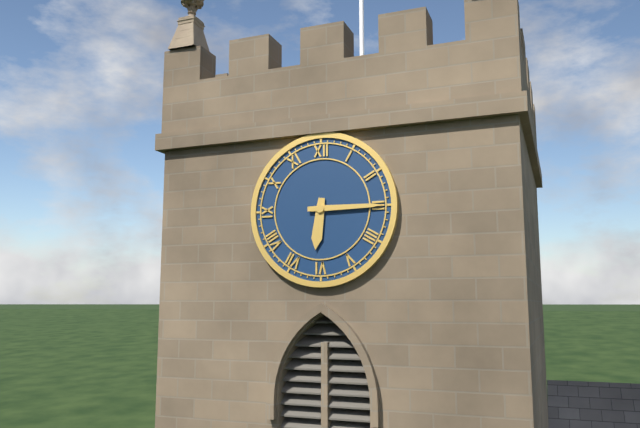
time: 6:15
